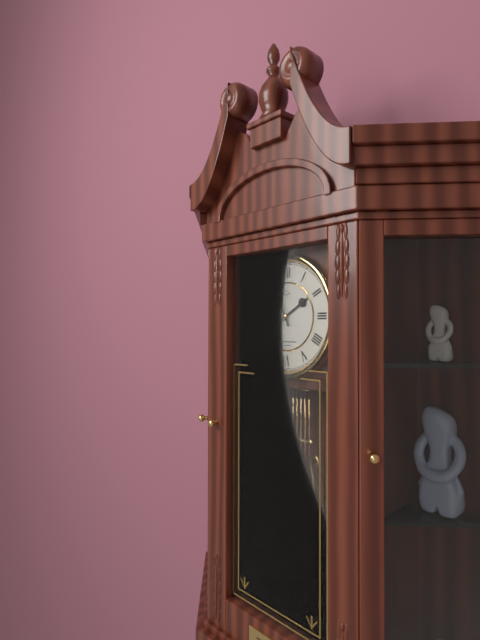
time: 1:56
